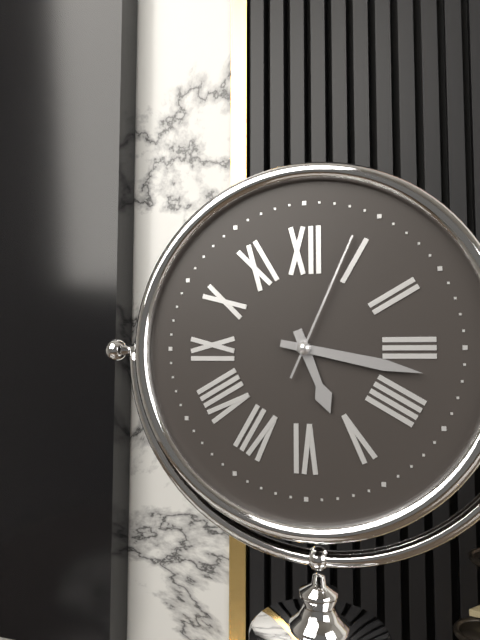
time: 5:17:04
